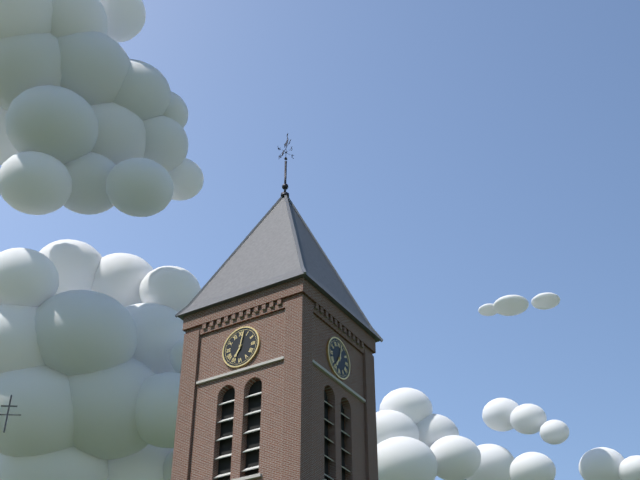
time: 7:02
